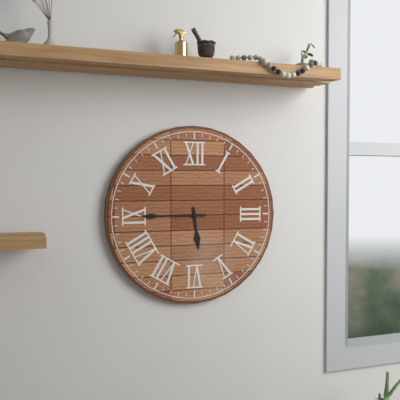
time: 5:45
